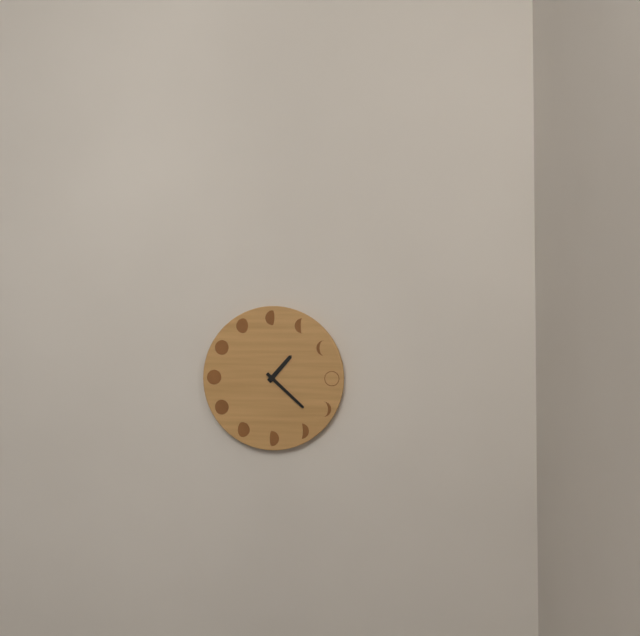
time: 1:22
